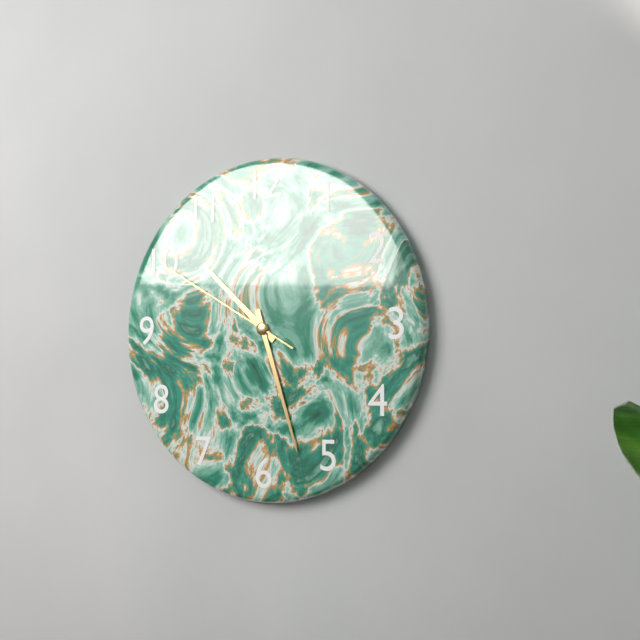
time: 10:27:50
